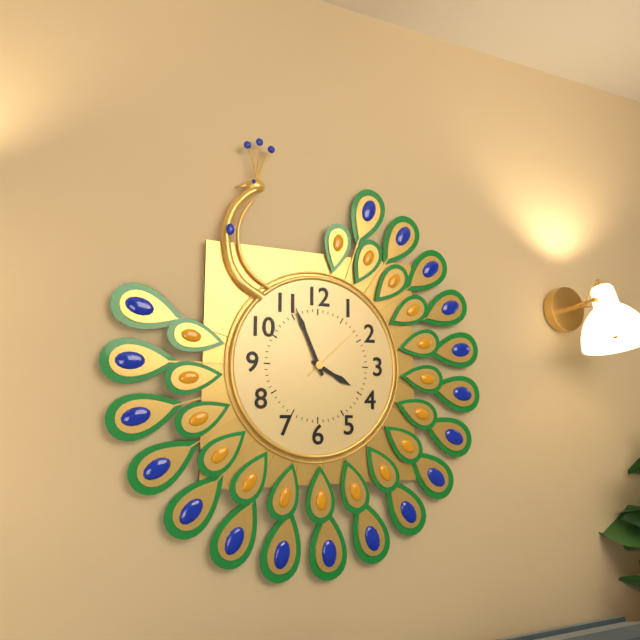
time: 3:56:08
